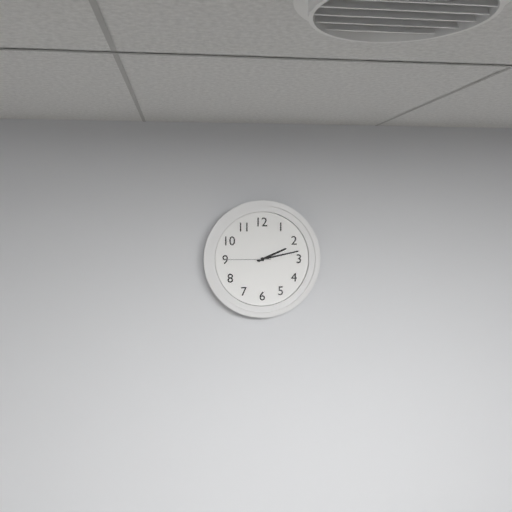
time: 2:13
